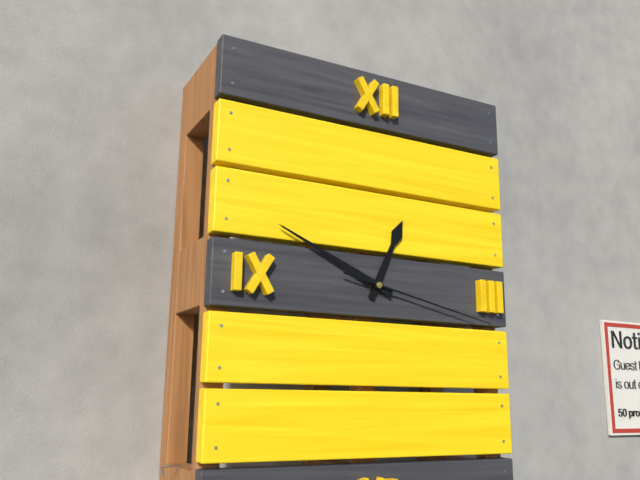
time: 12:49:17
